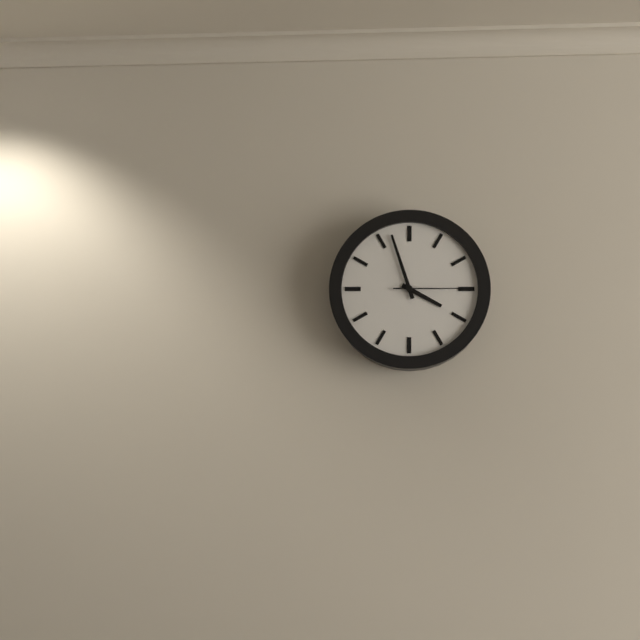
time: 3:57:15
